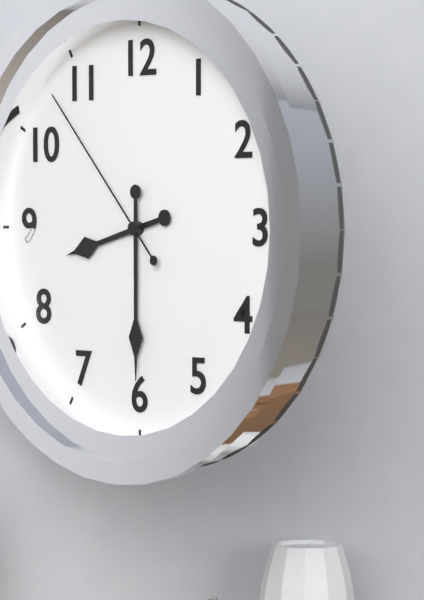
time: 8:30:53
